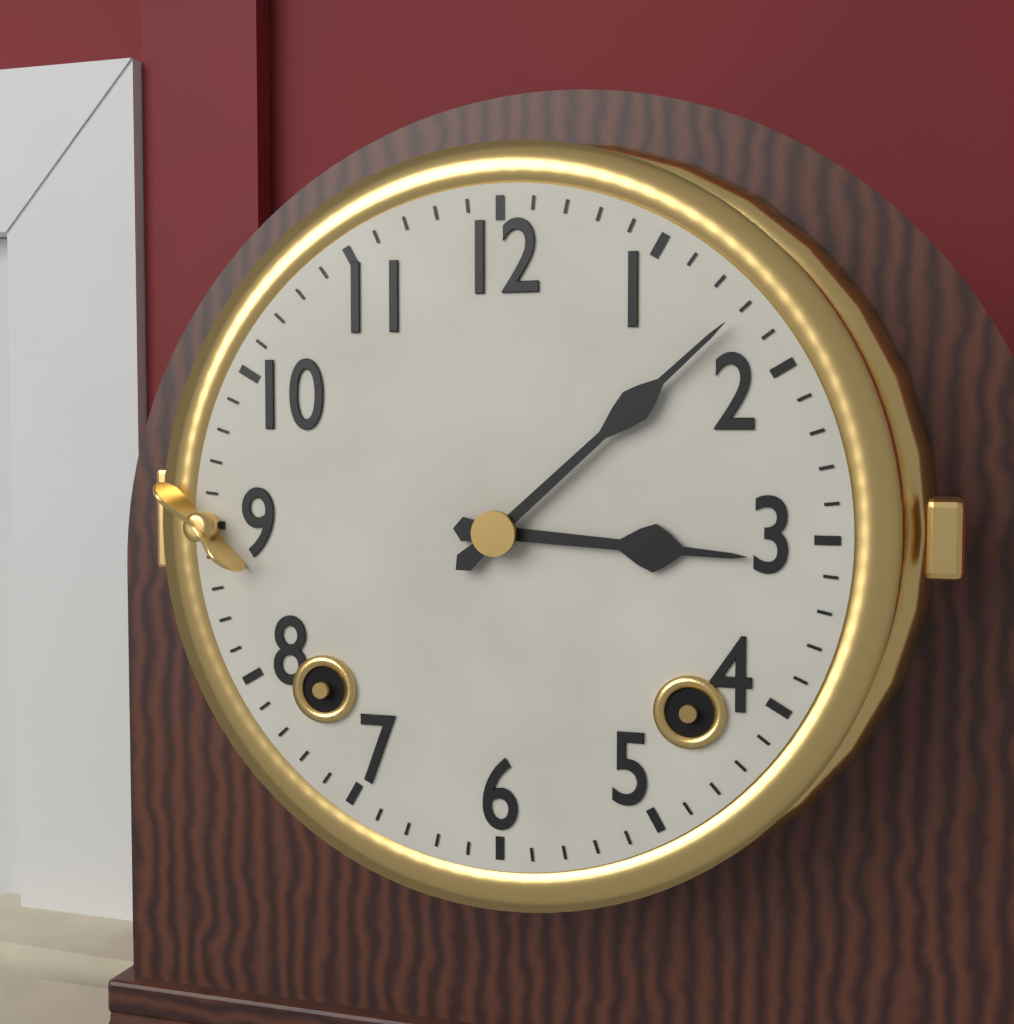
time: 3:08
